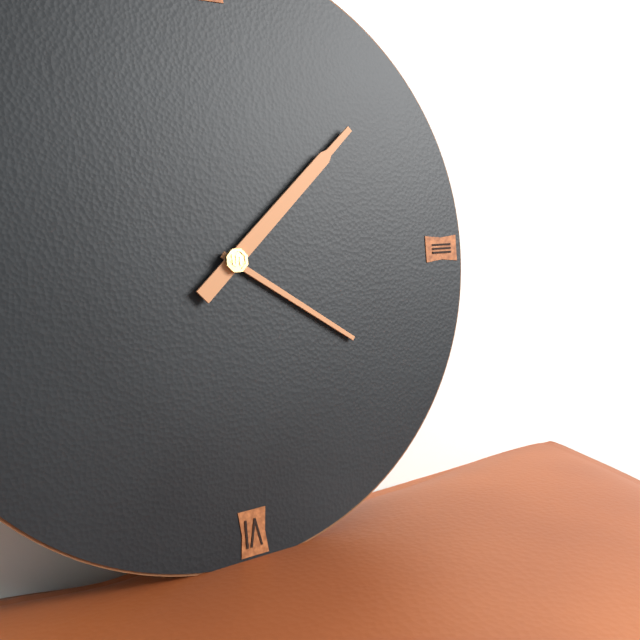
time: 4:08
